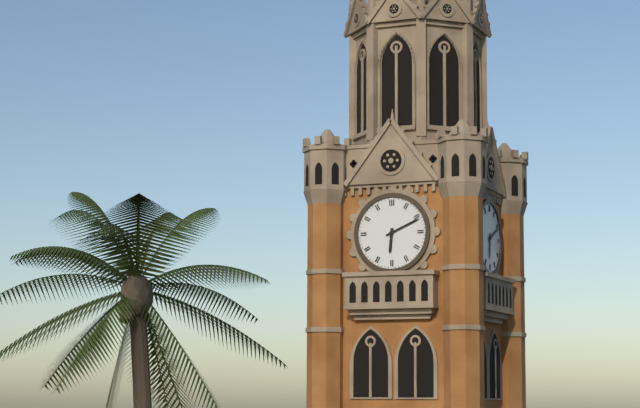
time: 6:11
